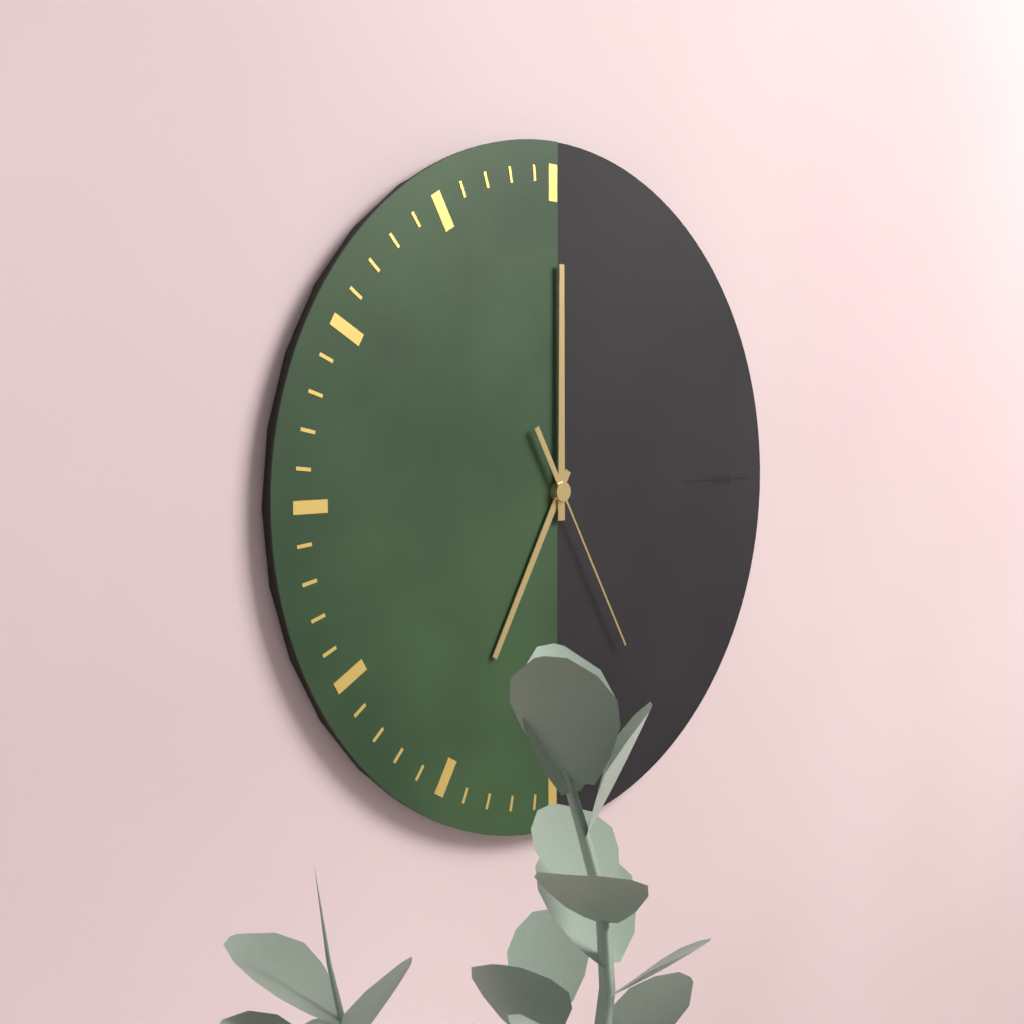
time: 7:00:25
